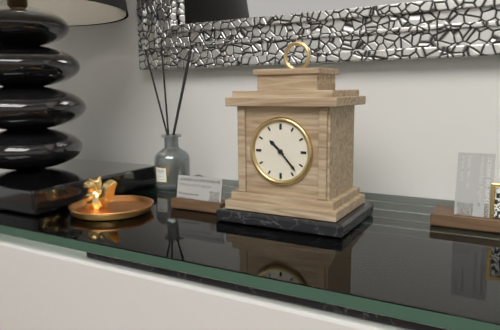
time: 10:23
